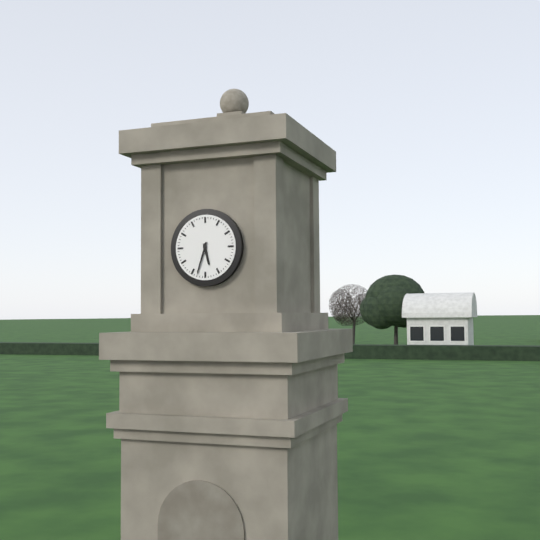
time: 5:33
